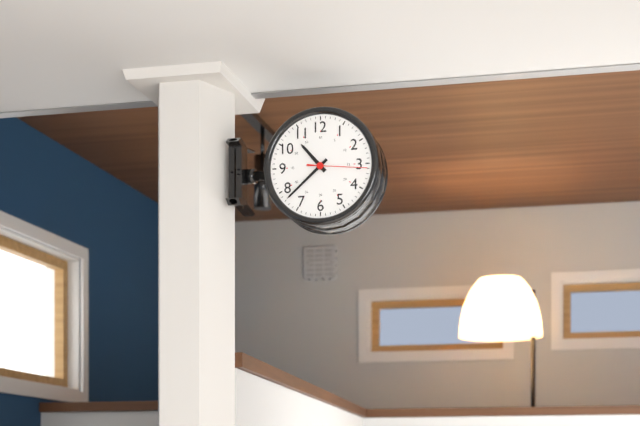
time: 10:38:16
